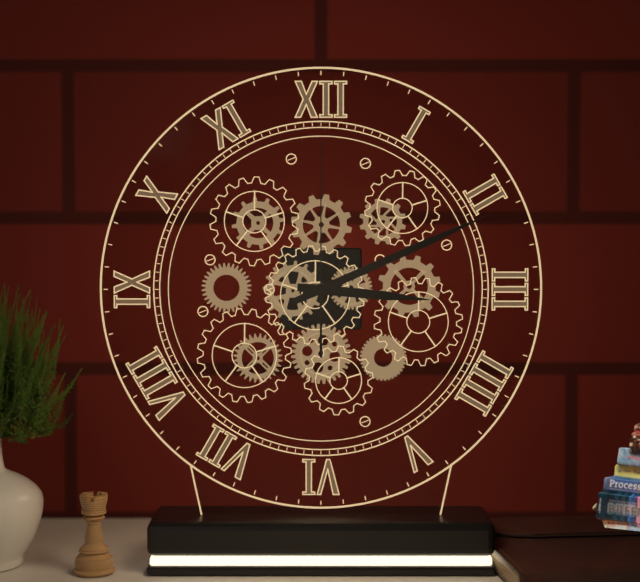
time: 3:11:00
